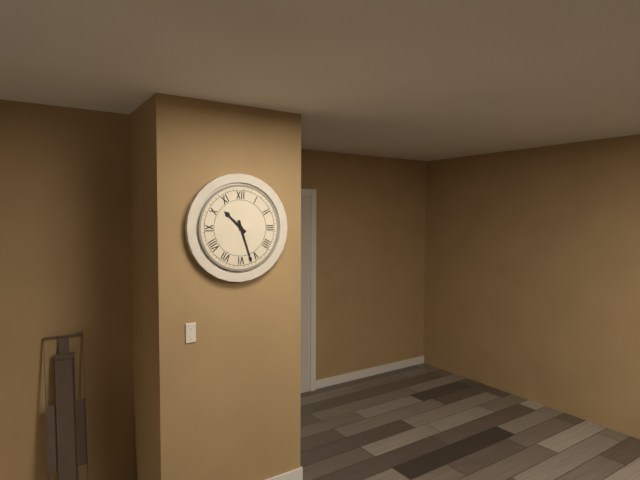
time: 10:27
